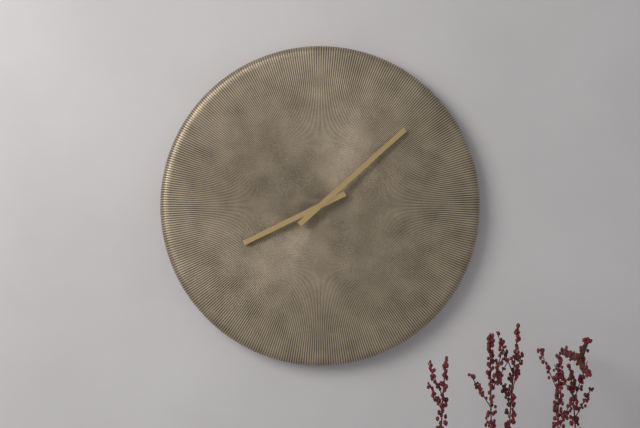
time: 8:08
